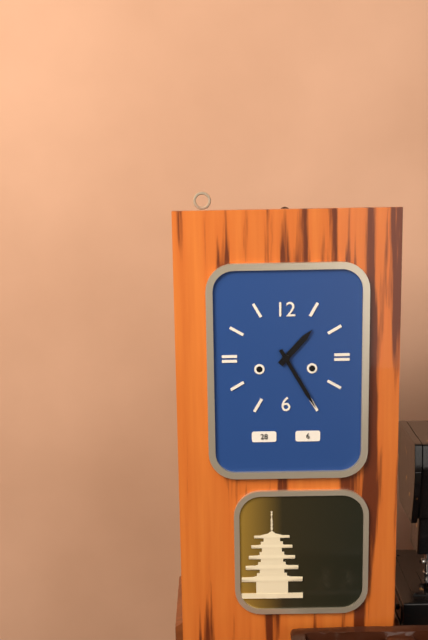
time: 1:25
